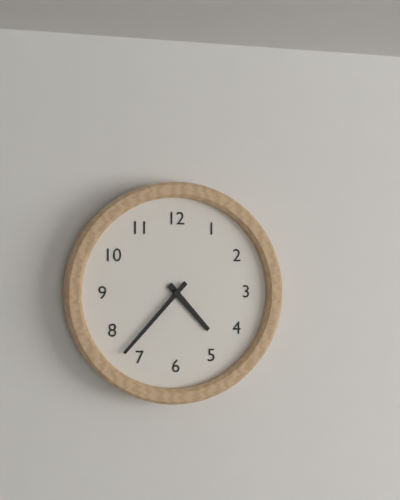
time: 4:37
